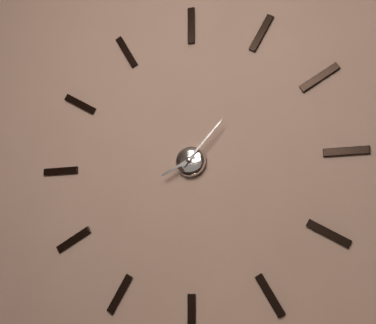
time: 8:07
